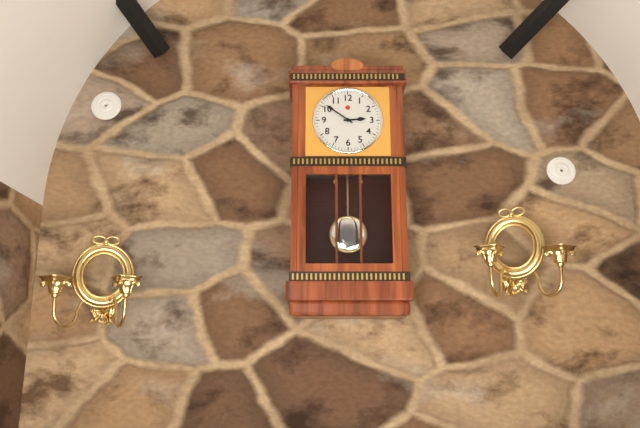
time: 2:51
